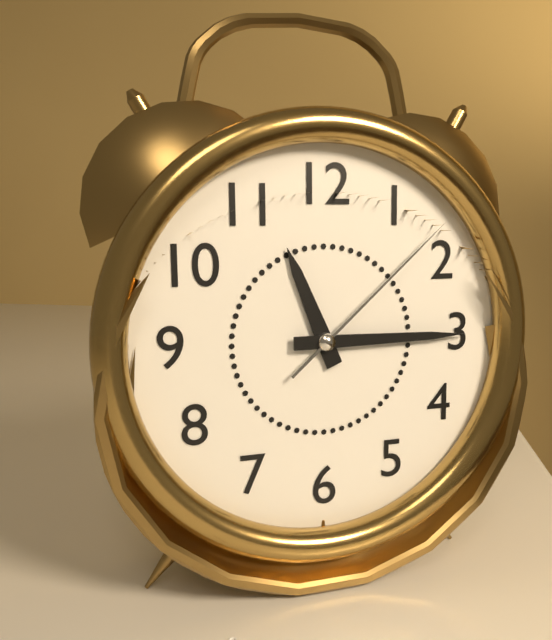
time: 11:15:08
